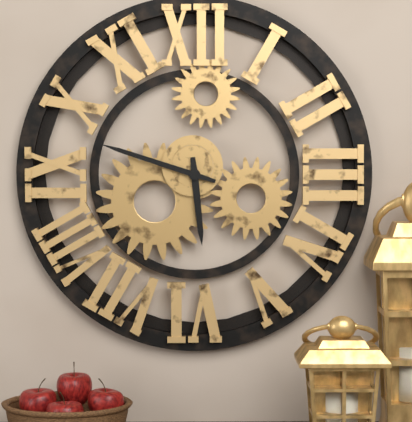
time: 5:48
